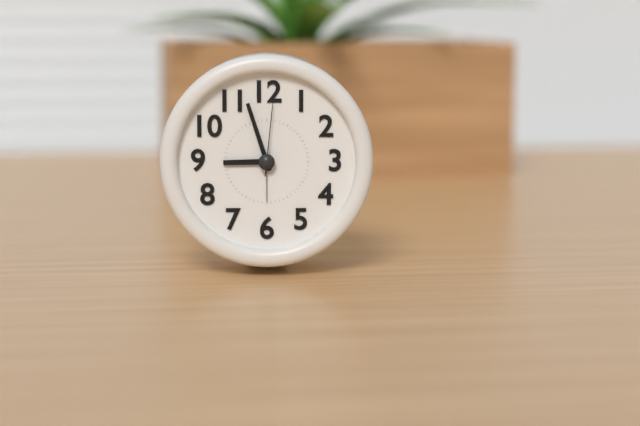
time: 8:57:01
